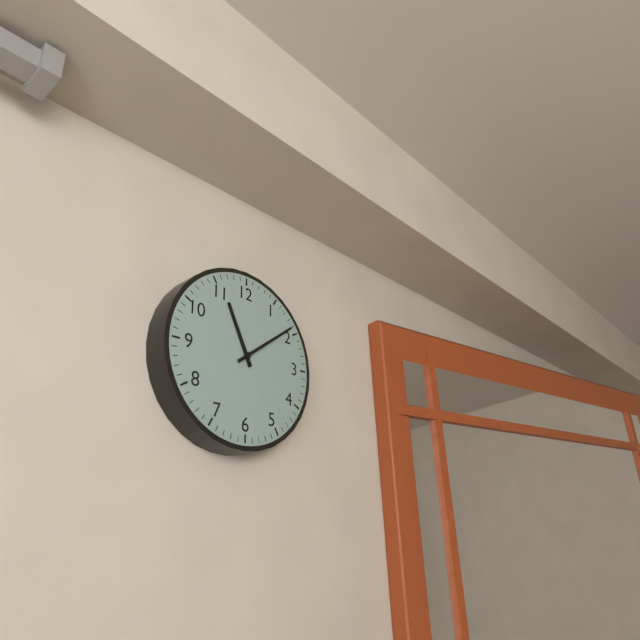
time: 11:09
